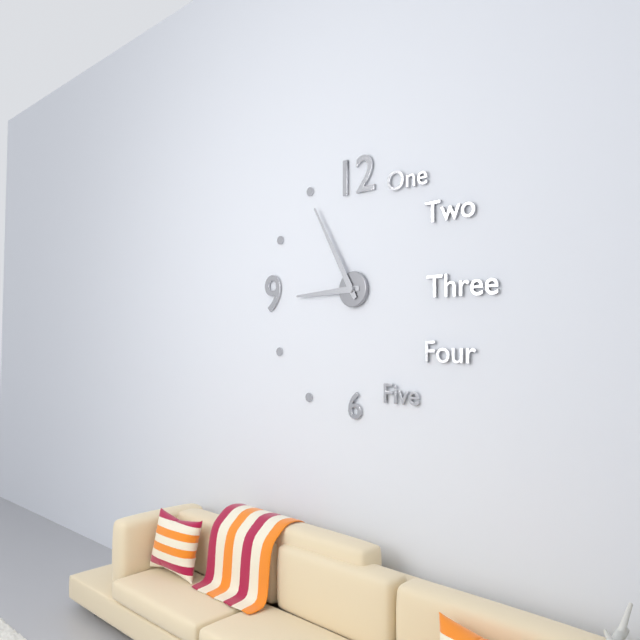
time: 8:55
